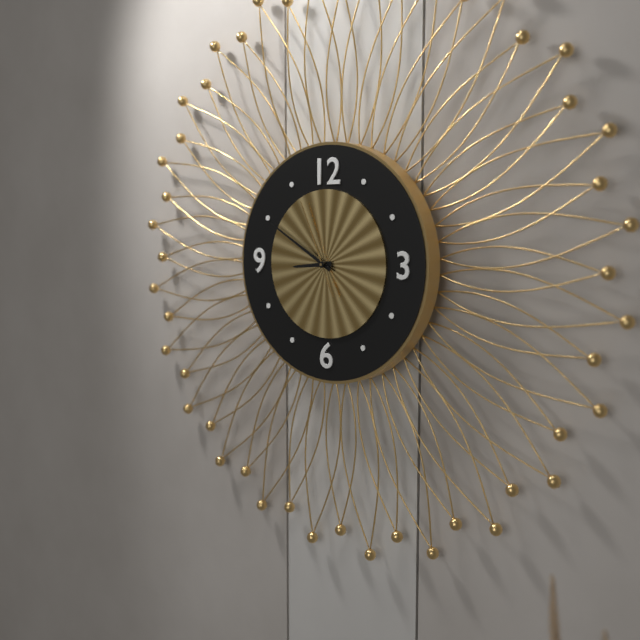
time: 8:50:56
